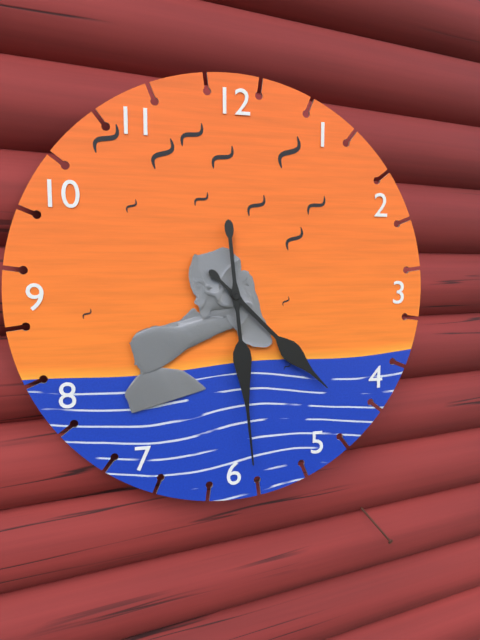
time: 4:29
